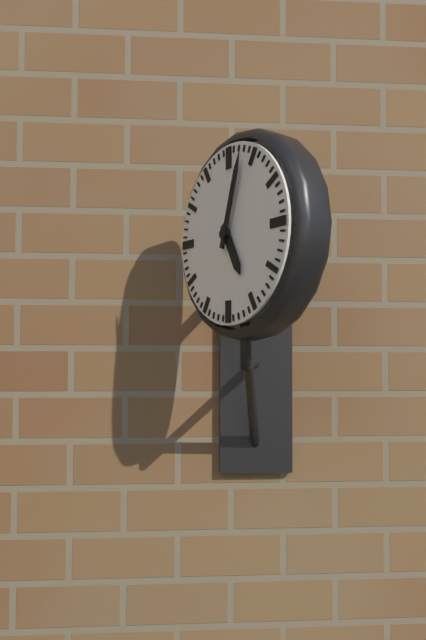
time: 5:03
